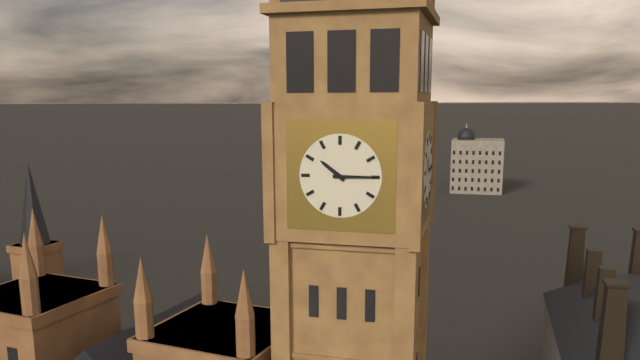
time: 10:15
